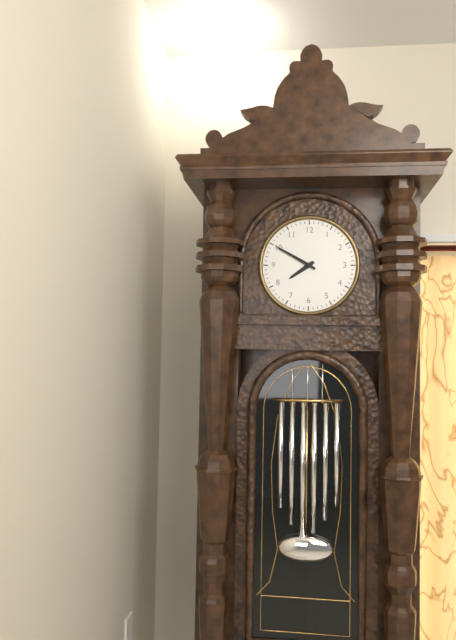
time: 7:50
